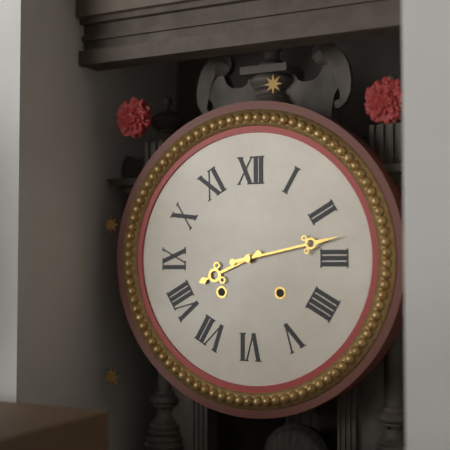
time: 8:13
